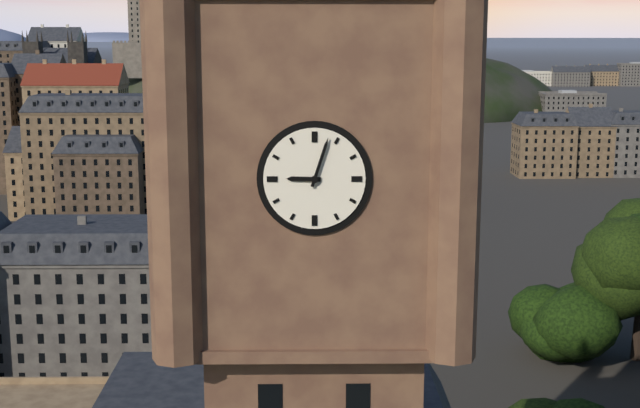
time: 9:03
